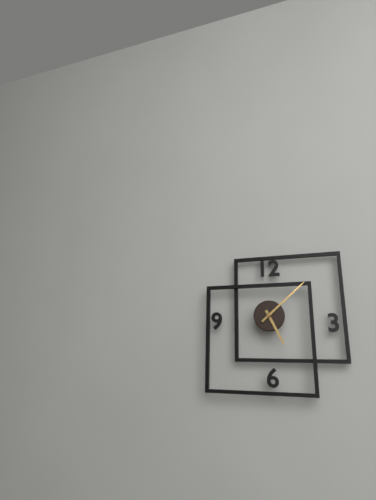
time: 5:08
